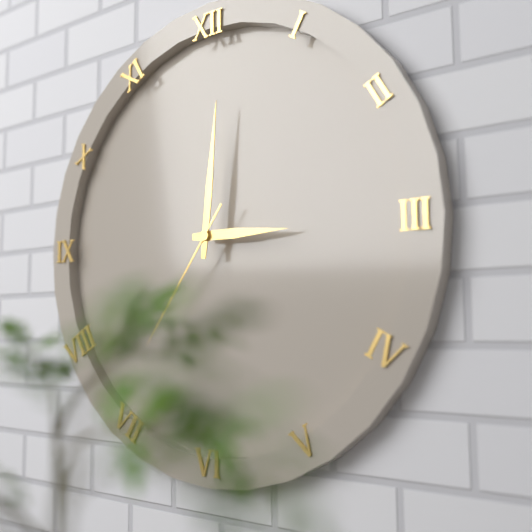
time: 3:01
